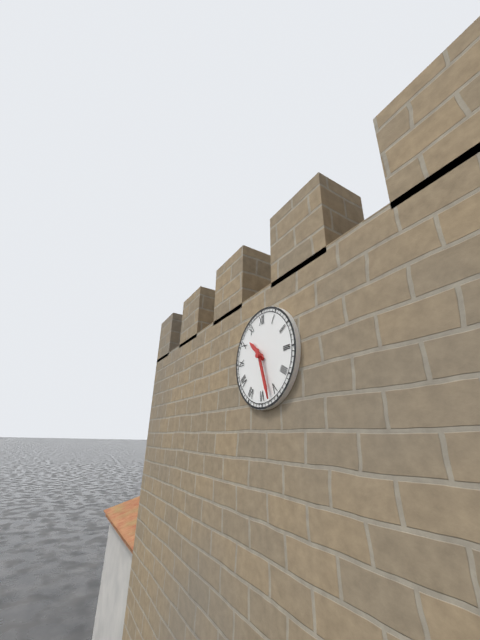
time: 10:27
